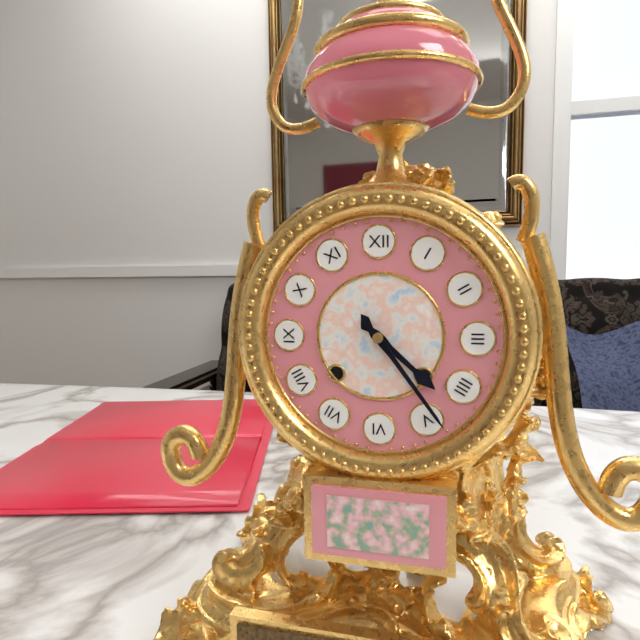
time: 4:24
